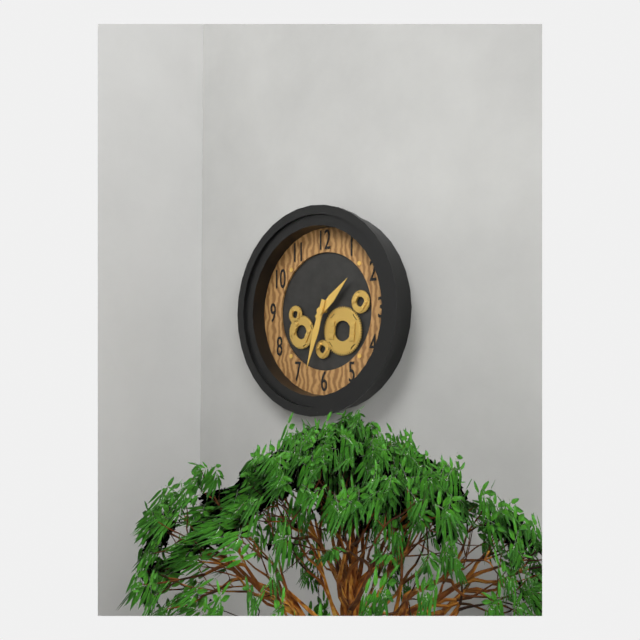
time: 1:33
